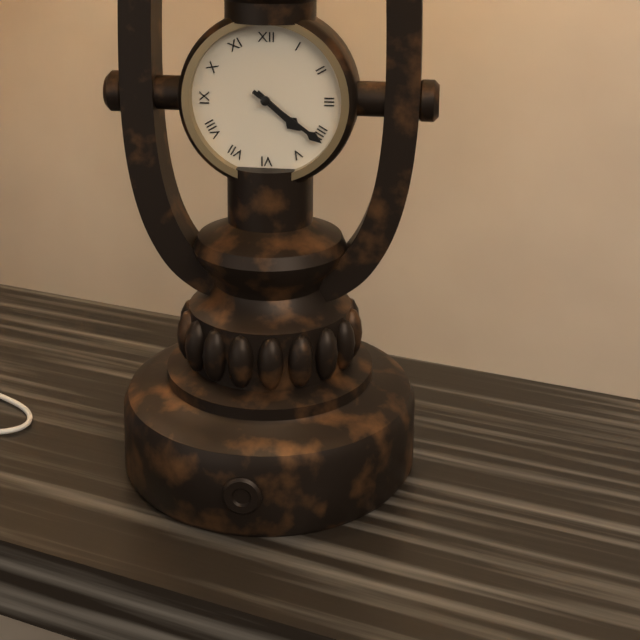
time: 4:21
